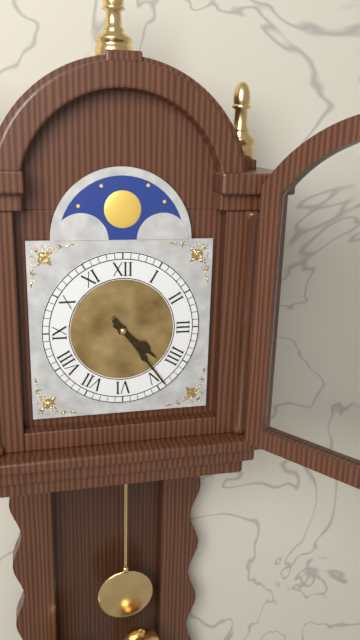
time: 4:24
